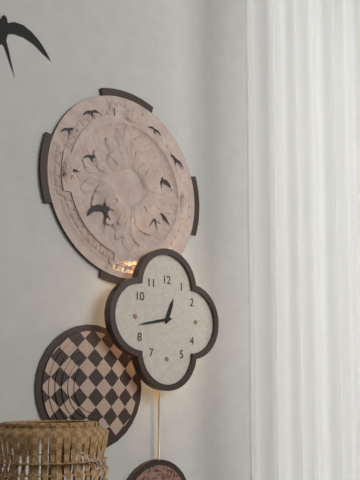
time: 12:43
